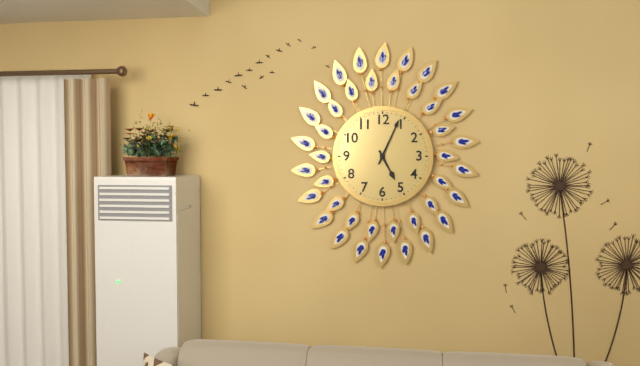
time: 5:04
